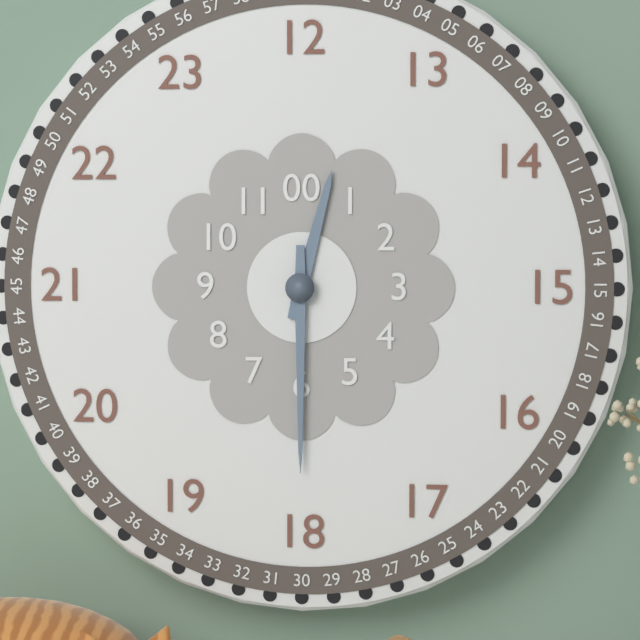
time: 12:30
